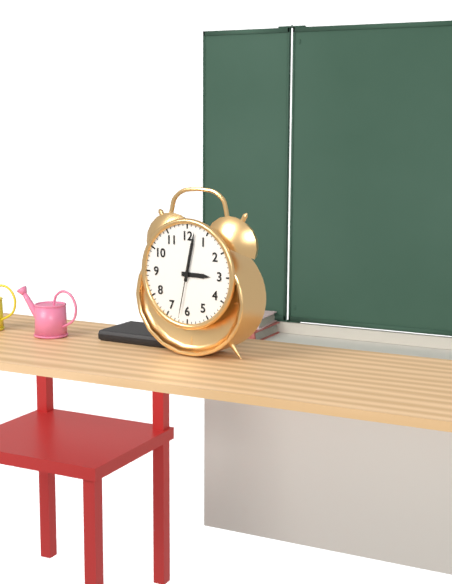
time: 3:02:32
